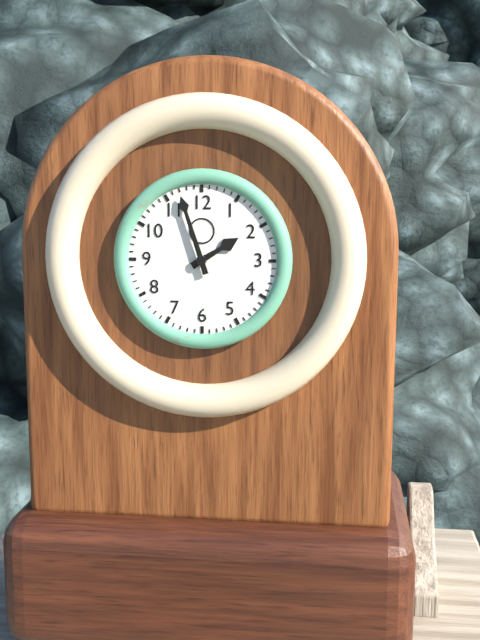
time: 1:57
